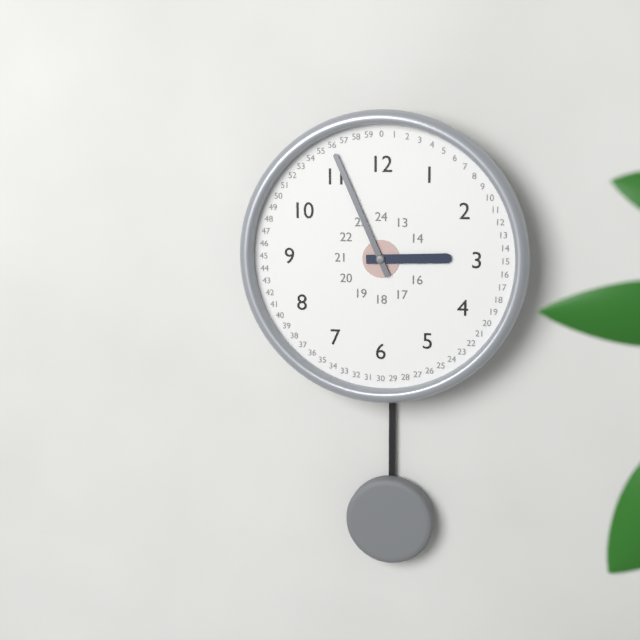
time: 2:56
